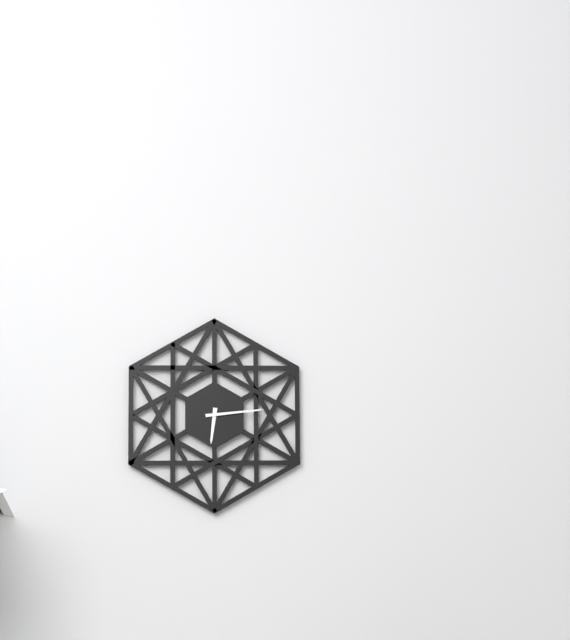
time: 6:14
